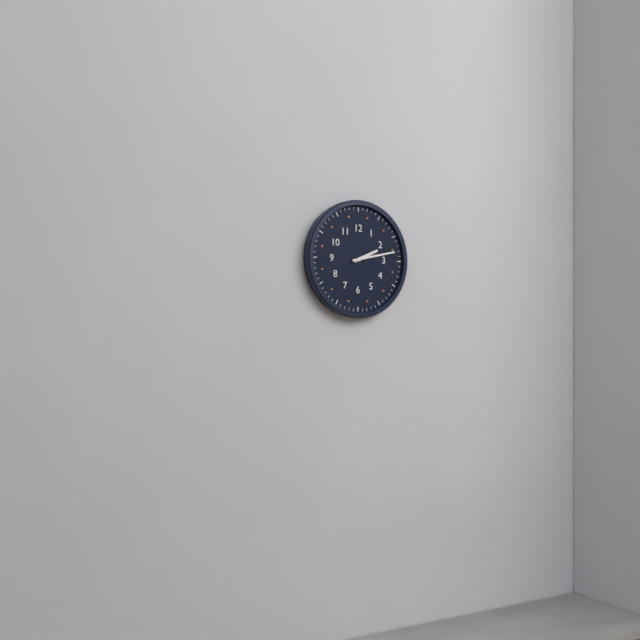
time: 2:13
